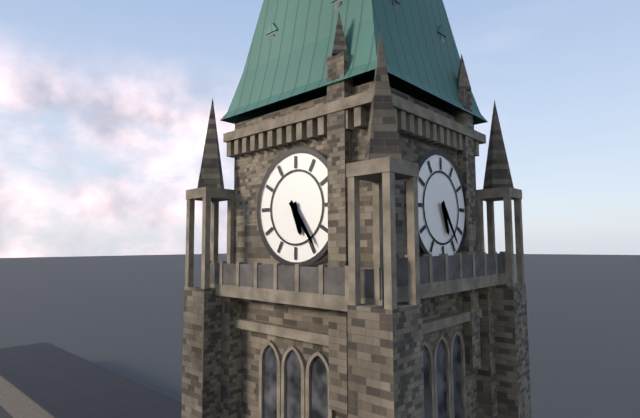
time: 5:24
